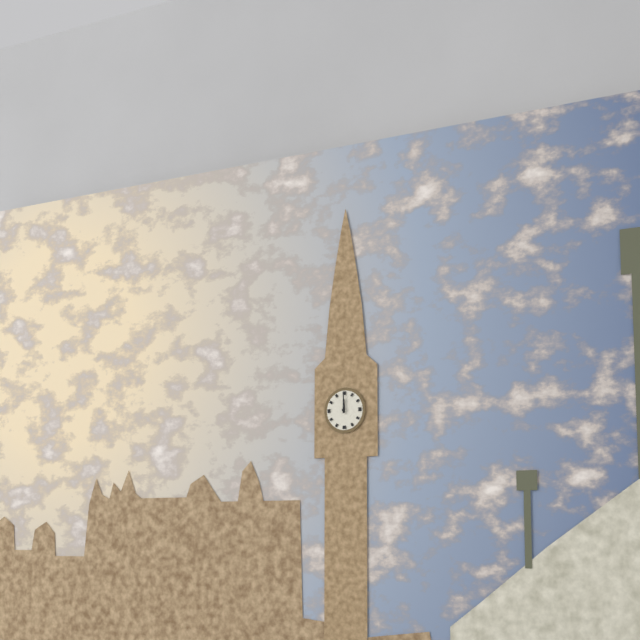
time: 12:00
